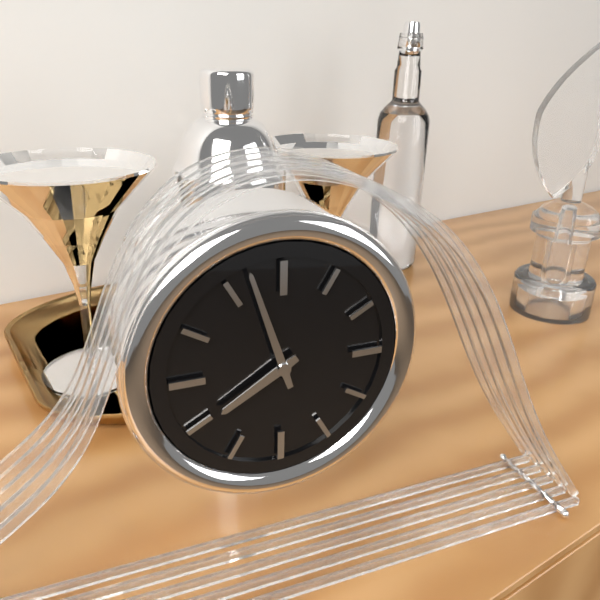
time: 7:57
